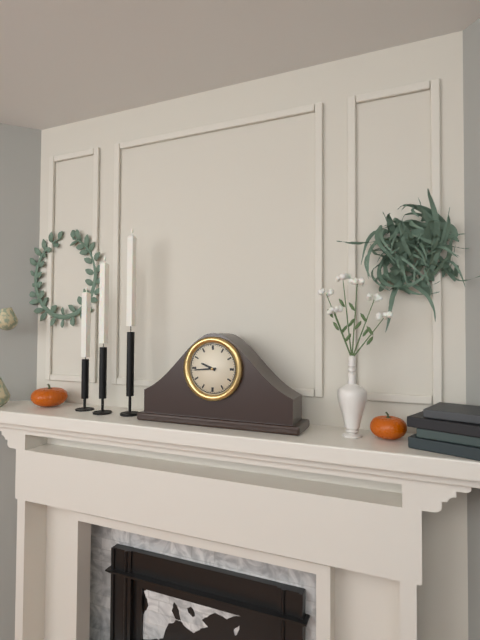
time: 9:44
